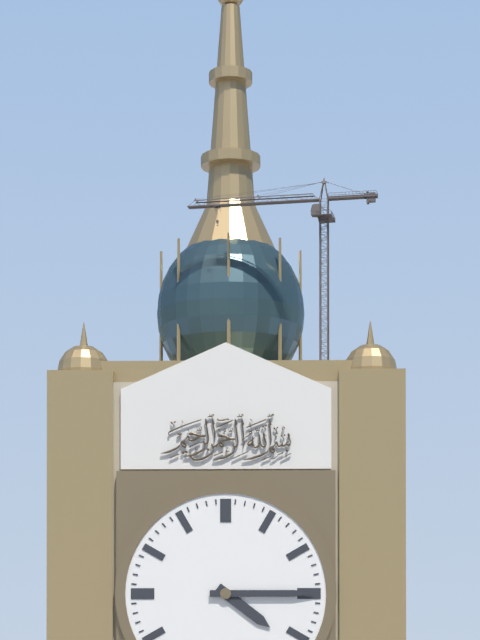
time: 4:15
